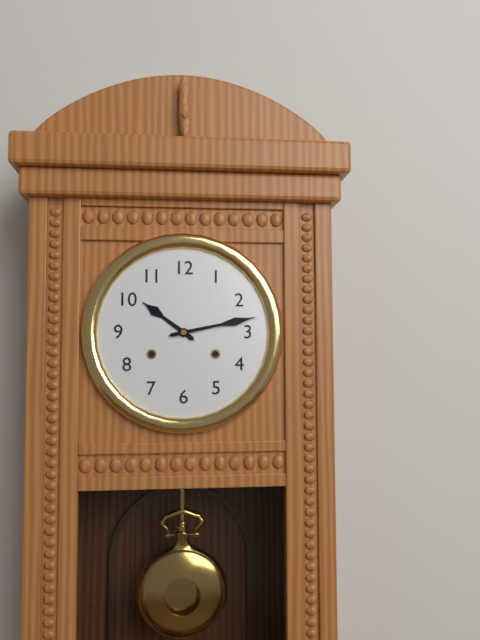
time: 10:13
